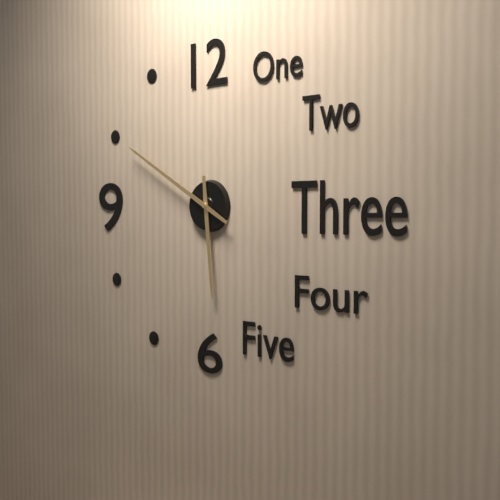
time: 5:50
